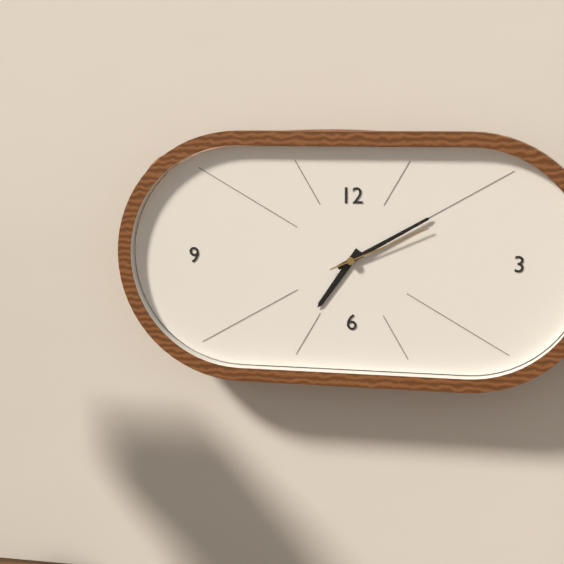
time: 7:10:11
